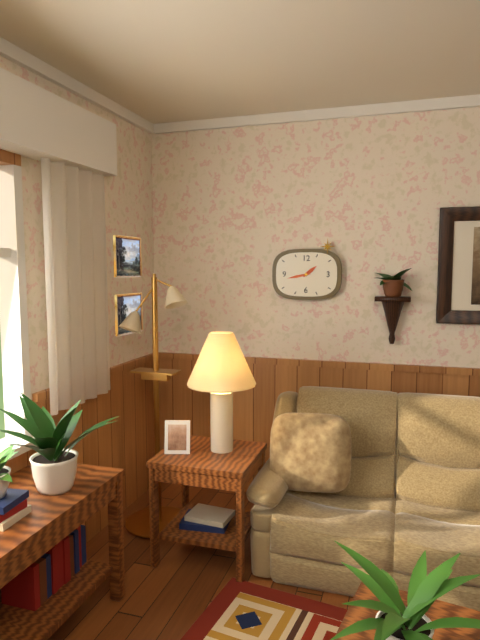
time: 1:43
